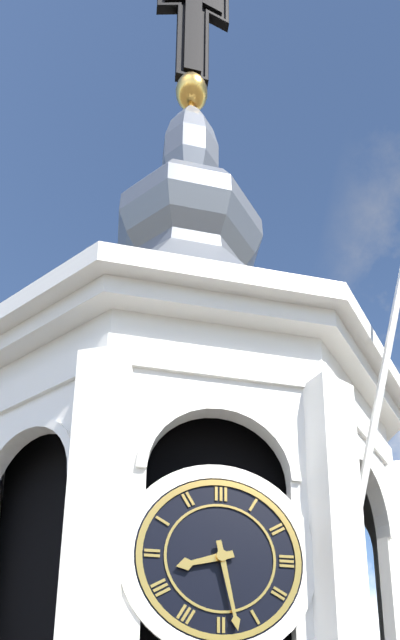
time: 8:28
